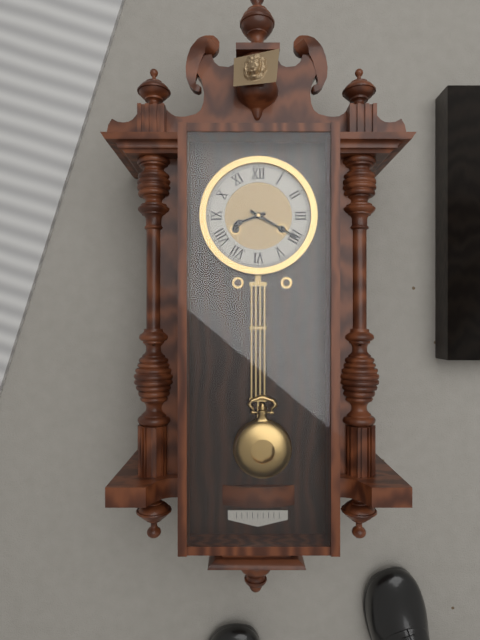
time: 8:20
